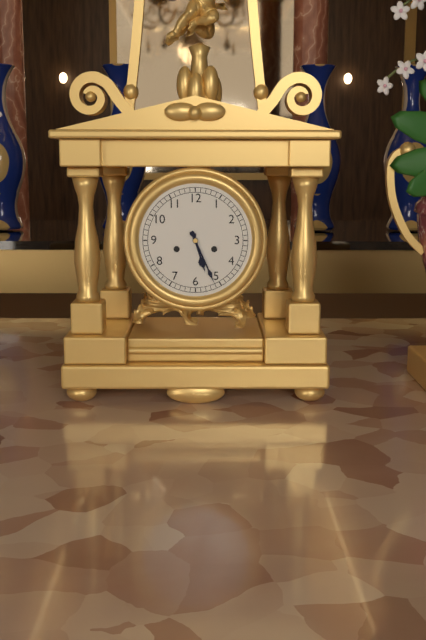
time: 5:26
